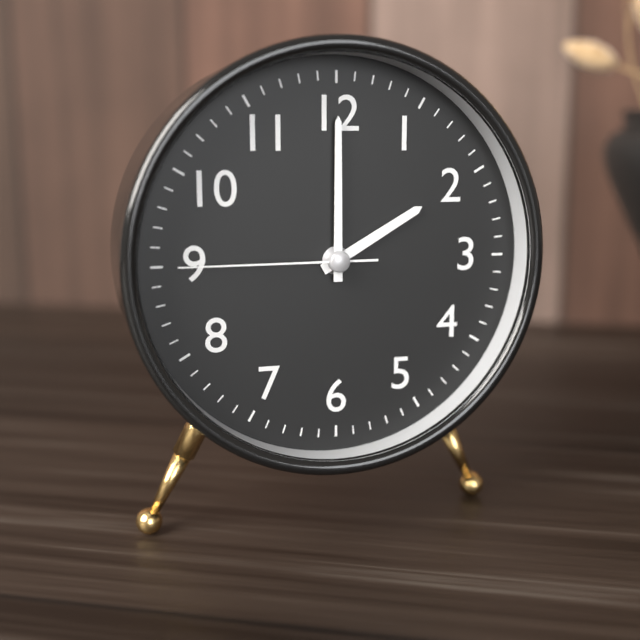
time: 2:00:45
